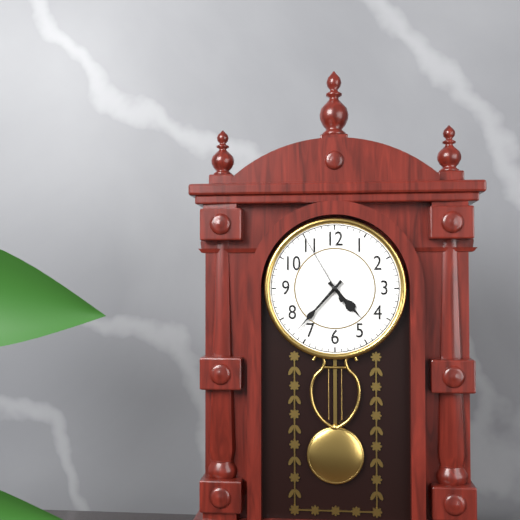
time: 4:37:55
